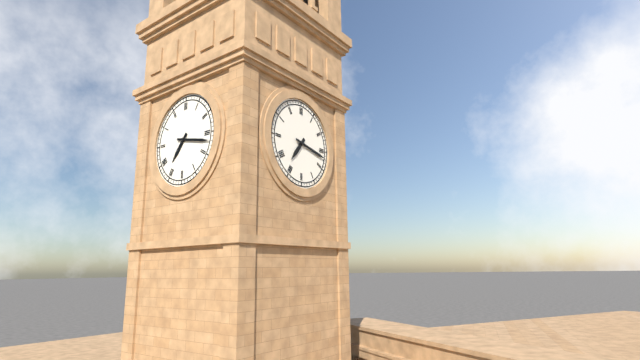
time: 7:17
